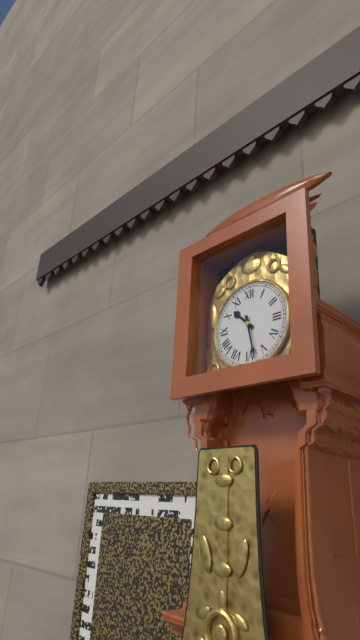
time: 10:28
